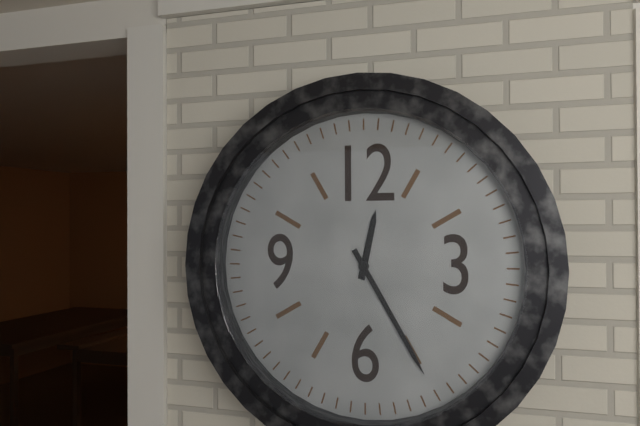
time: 12:25
